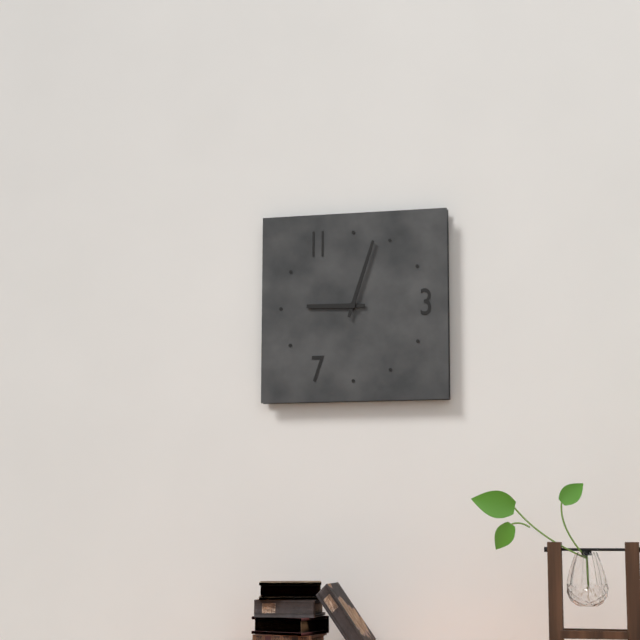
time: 9:03
